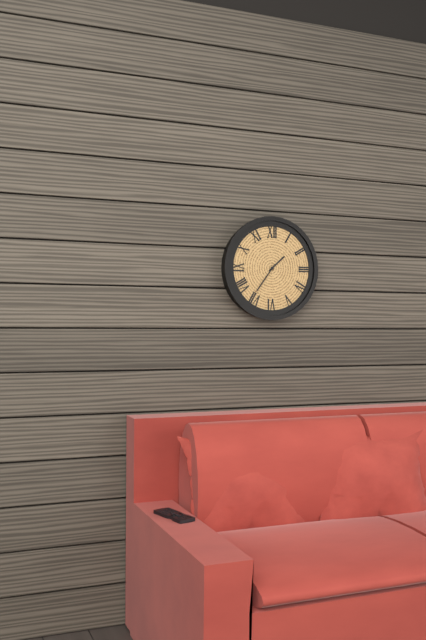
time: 1:36
